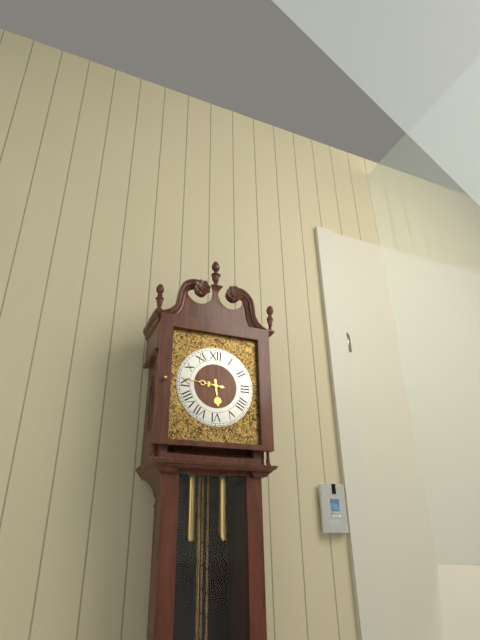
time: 5:46
